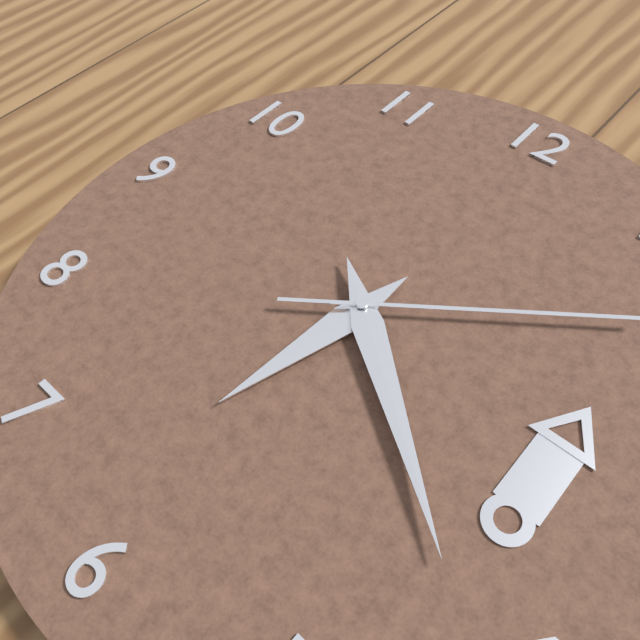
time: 6:21
